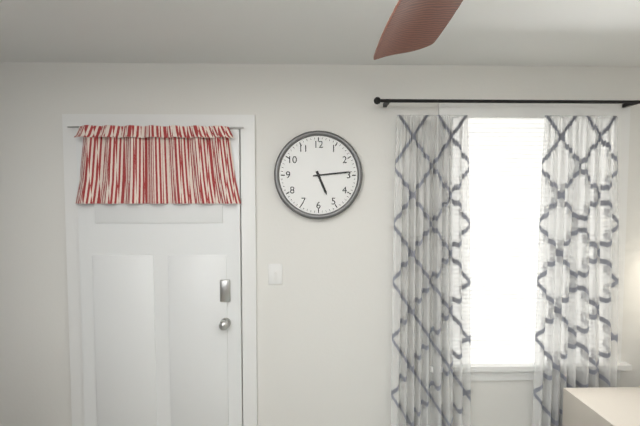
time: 5:14
